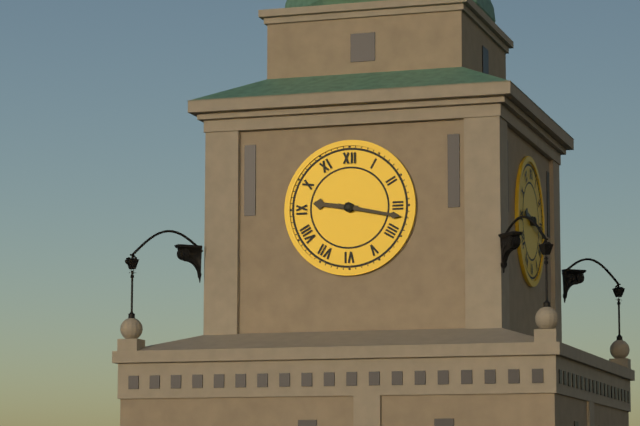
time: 9:17
